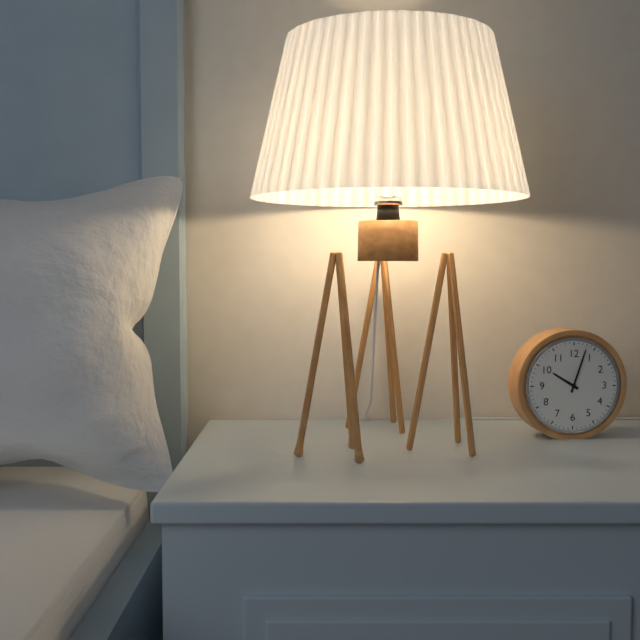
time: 10:03
